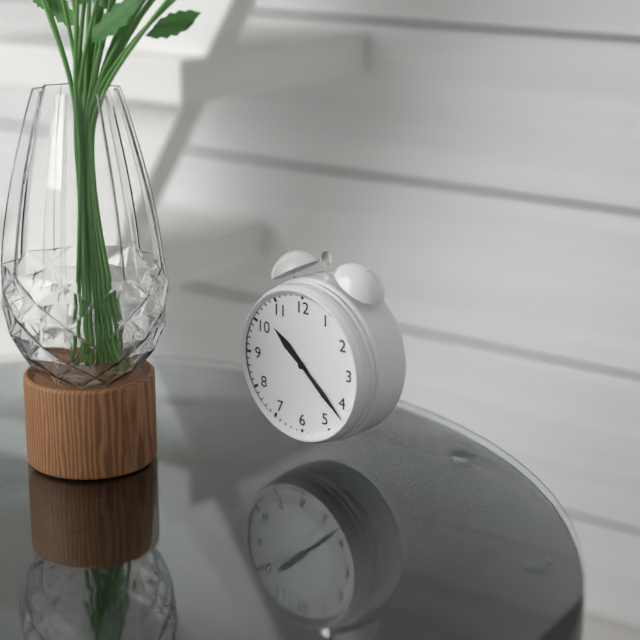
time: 10:22
